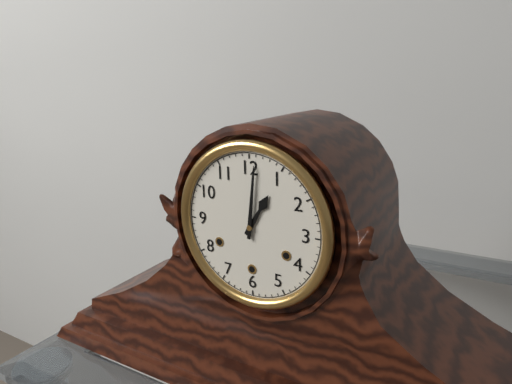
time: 1:01
